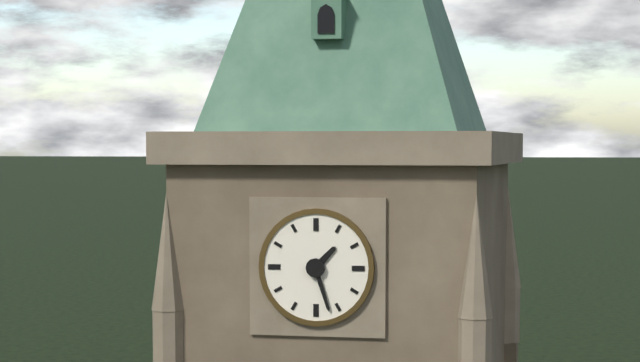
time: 1:27
